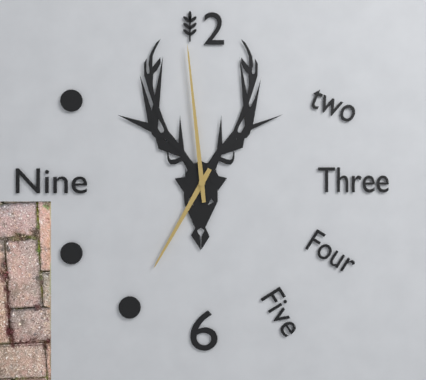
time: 6:59
